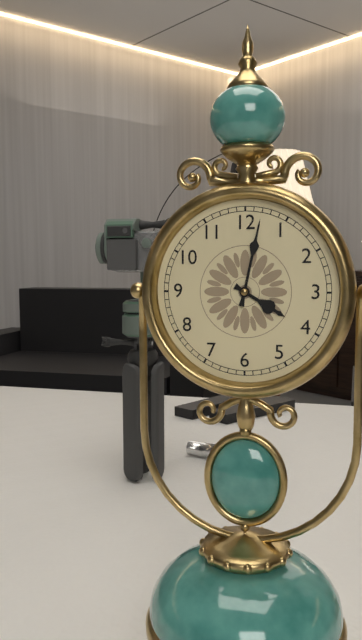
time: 4:02
